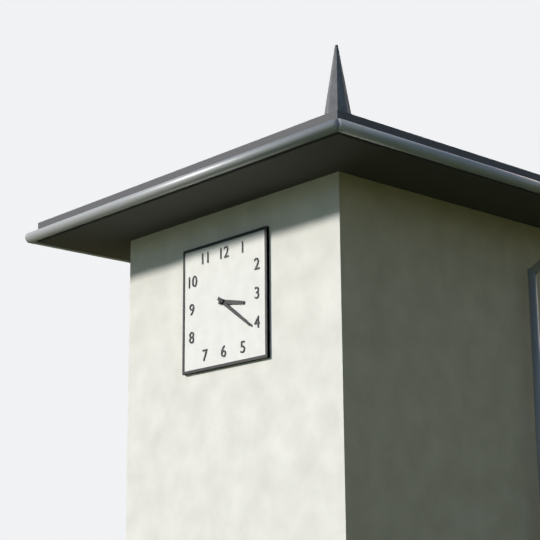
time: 3:21
